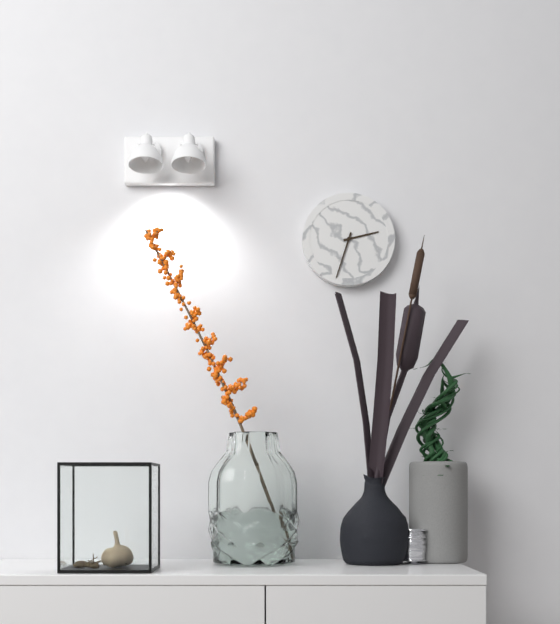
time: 2:33
